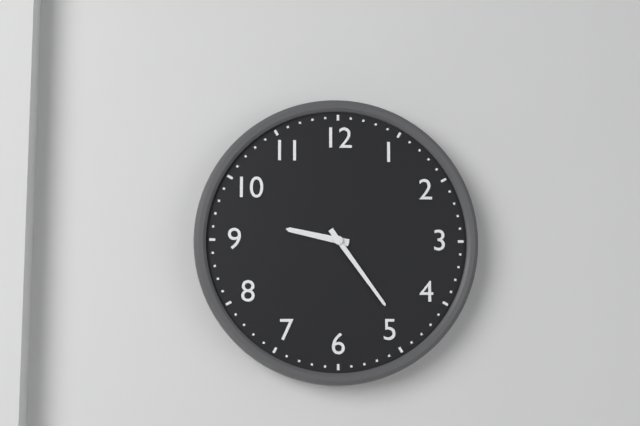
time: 9:24
